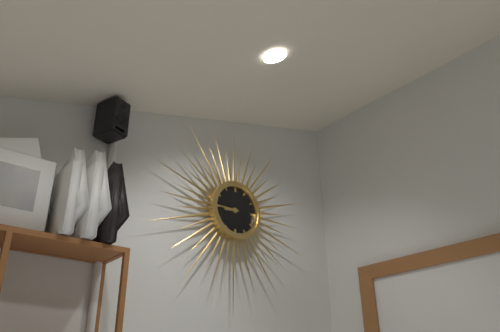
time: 8:45
